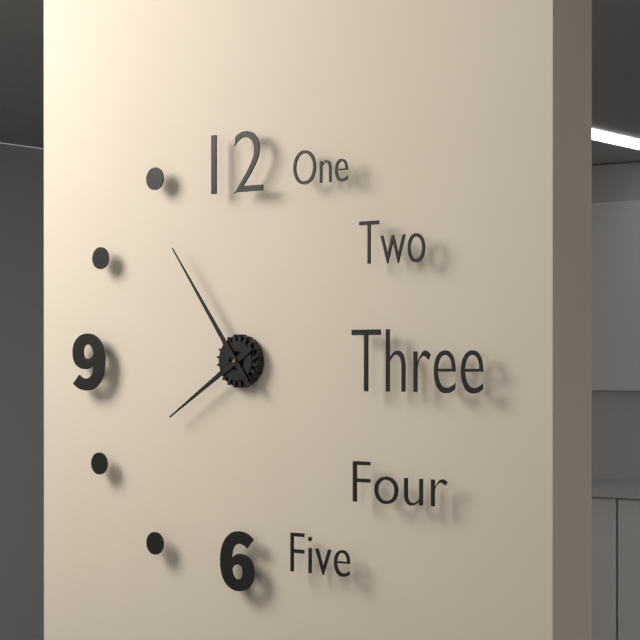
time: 7:54
